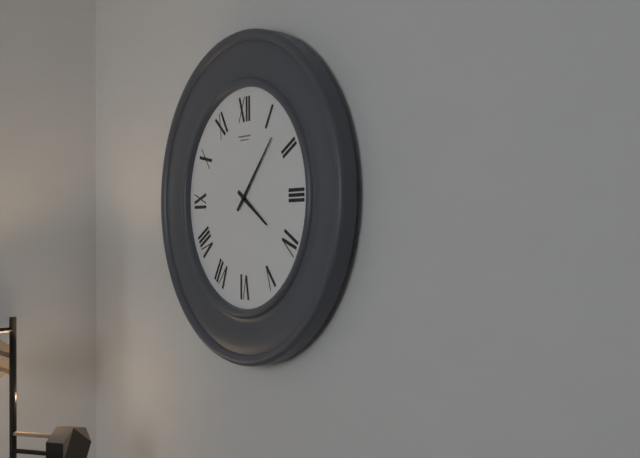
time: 4:07
